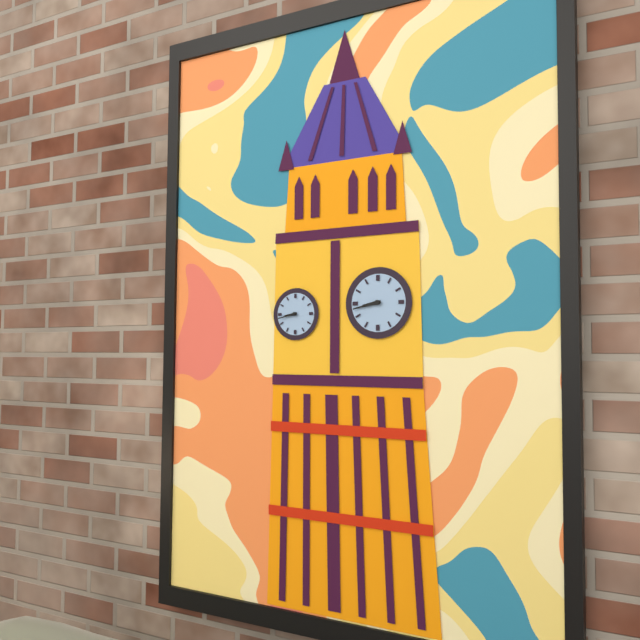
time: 8:43
